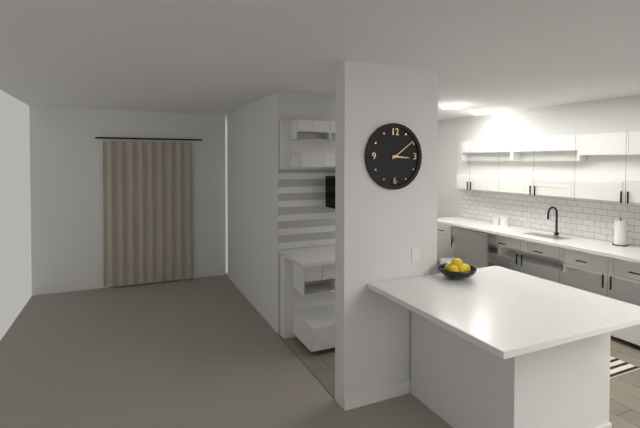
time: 3:09
